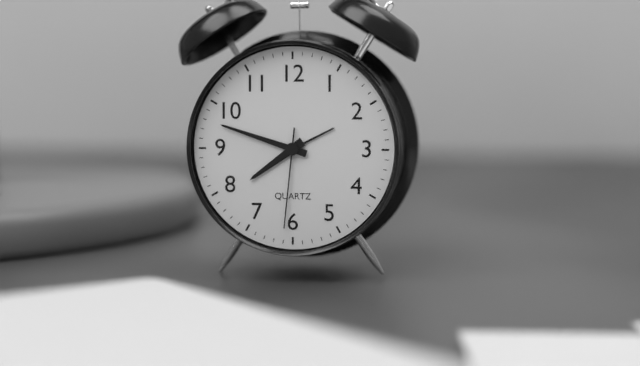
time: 7:48:31
